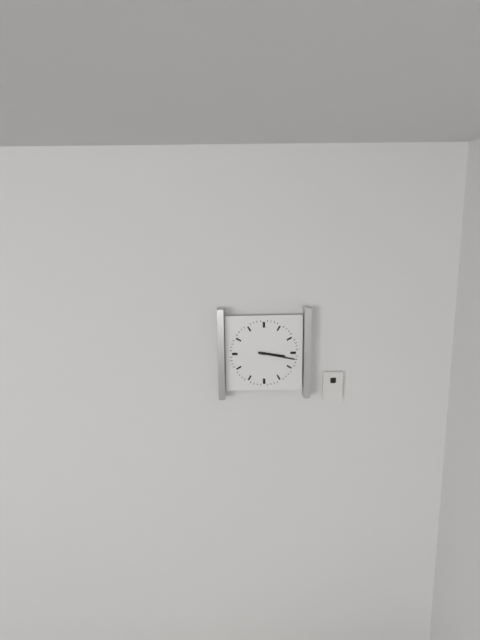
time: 3:17
